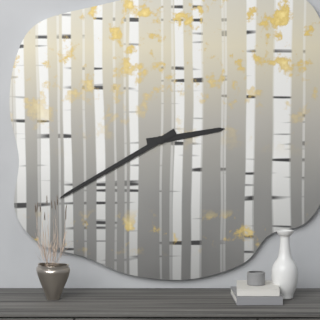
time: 2:40
